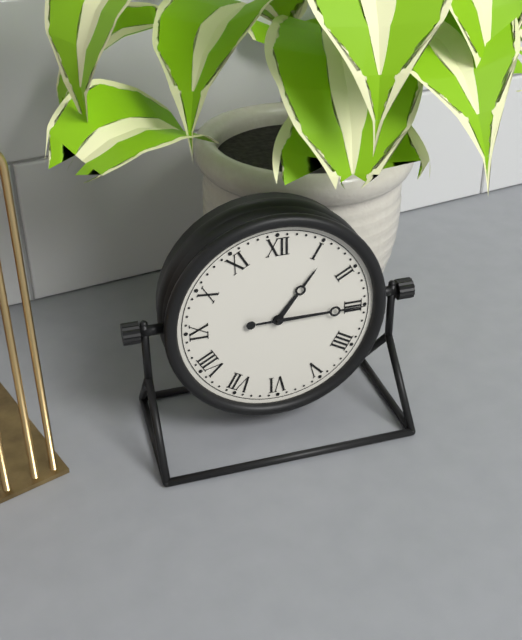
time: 1:15
